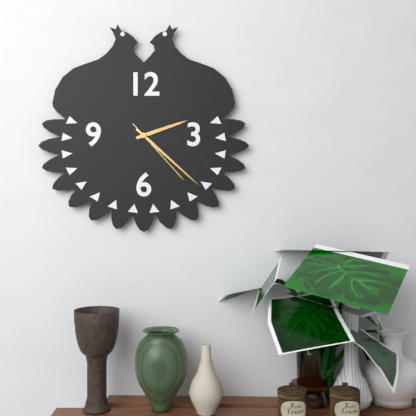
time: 2:22:23
